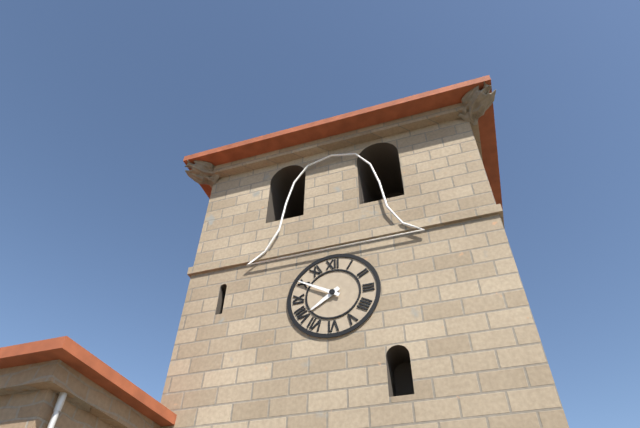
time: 7:50
